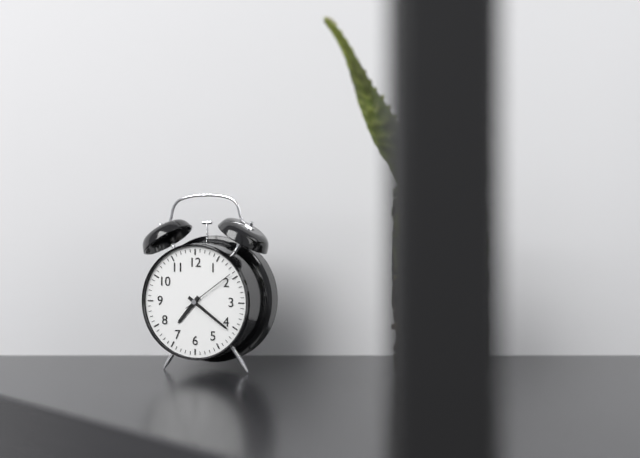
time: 7:21:09
